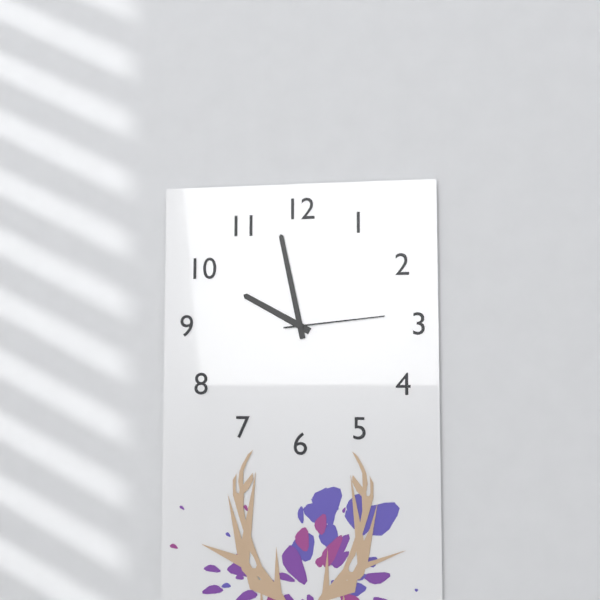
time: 9:58:14
